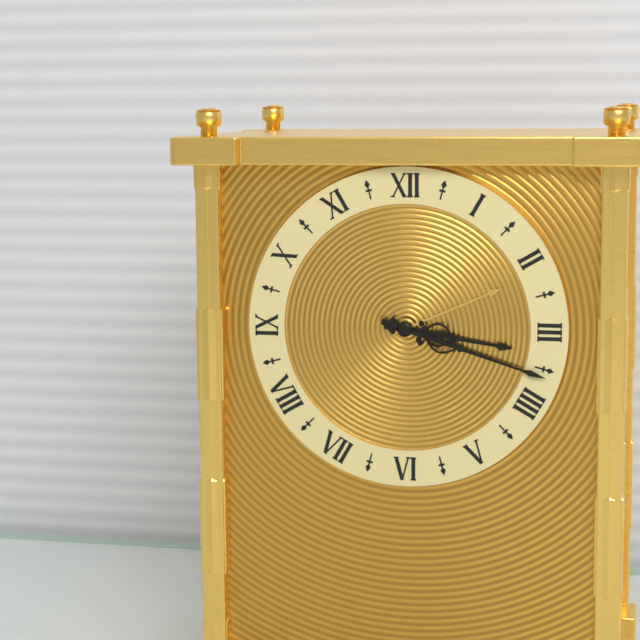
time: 3:18
